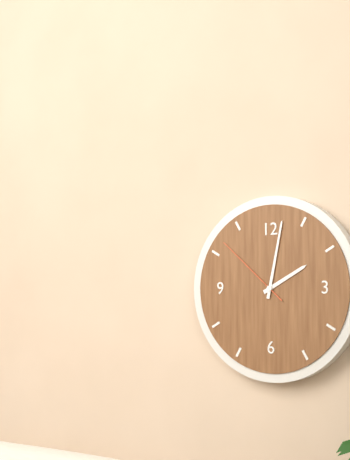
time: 2:02:52
